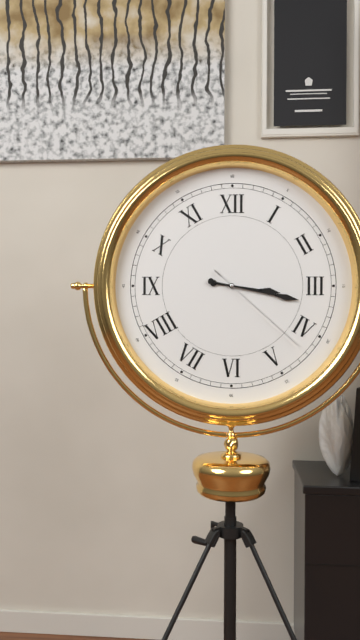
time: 3:17:22
